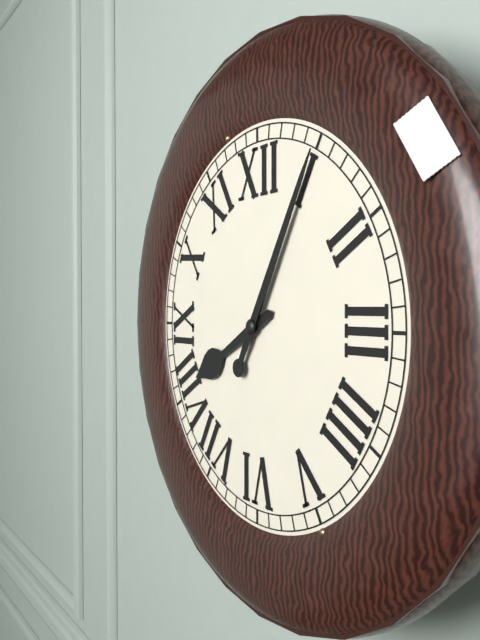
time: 8:05
